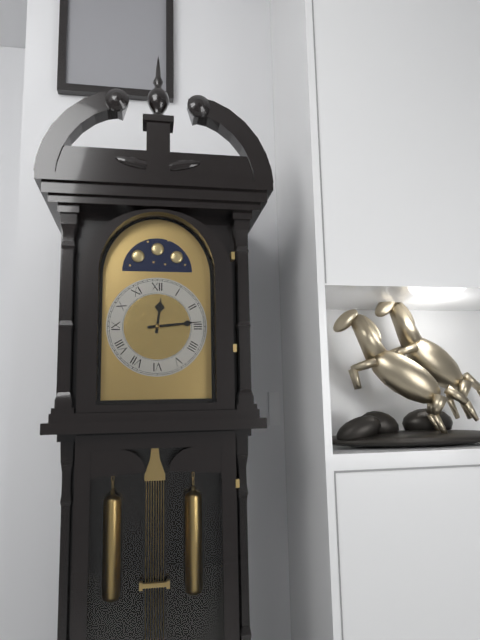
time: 12:14
